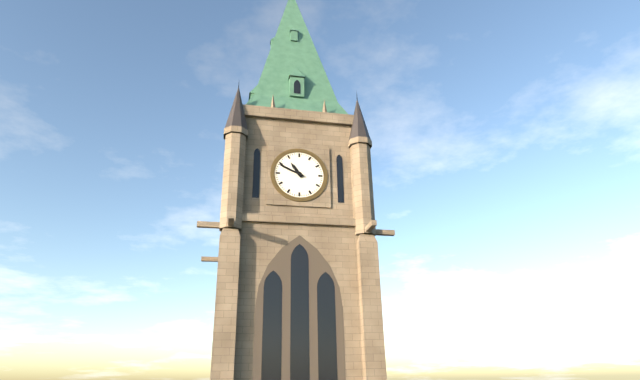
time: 10:49
